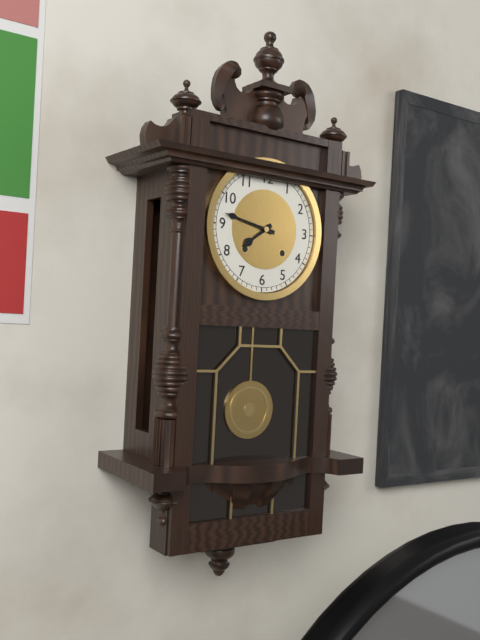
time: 7:47
